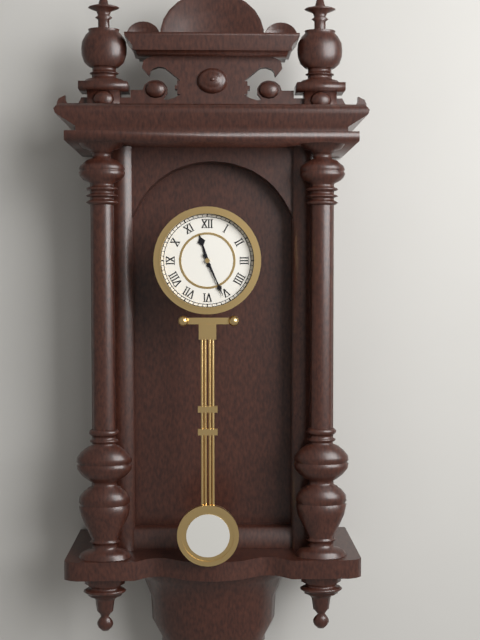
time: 11:26
